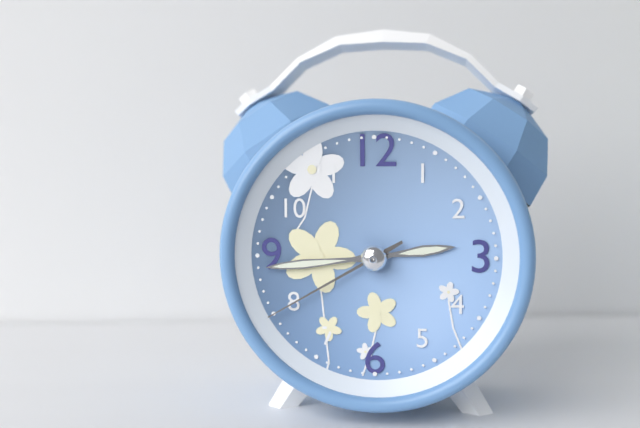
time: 2:44:40
